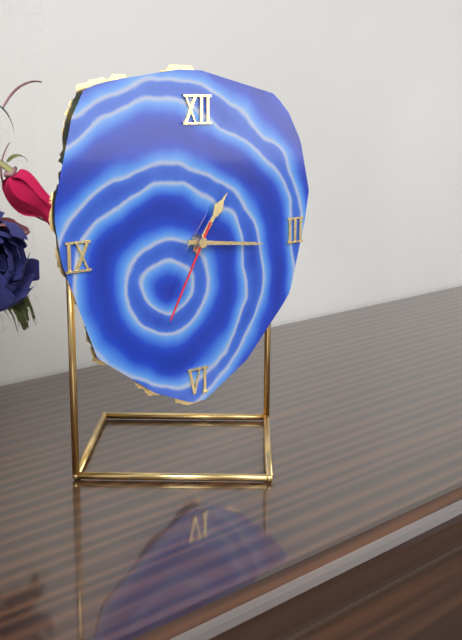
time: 1:16:35
